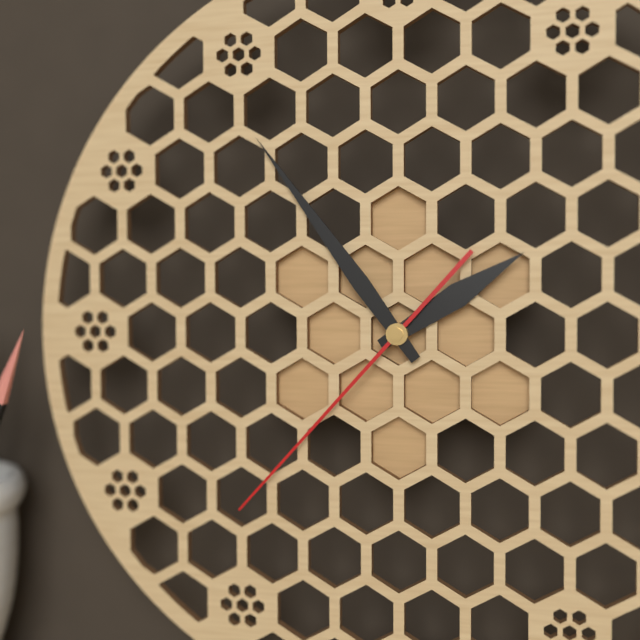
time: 1:54:37
